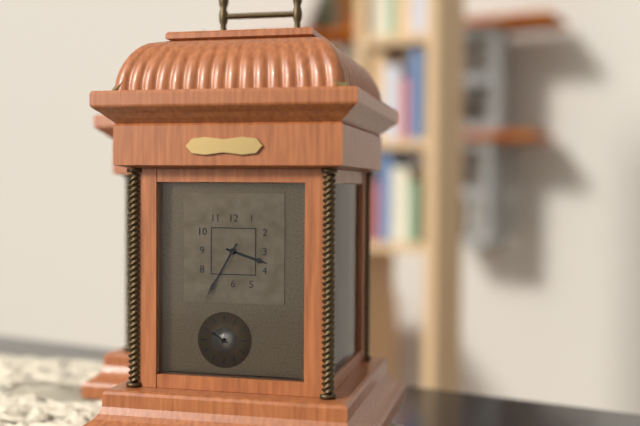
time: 3:35
